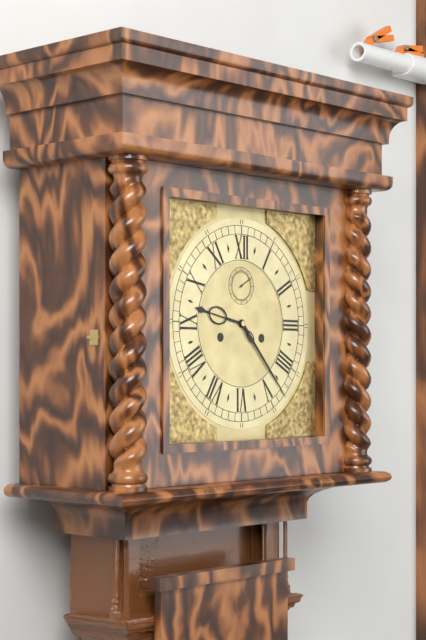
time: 9:23
